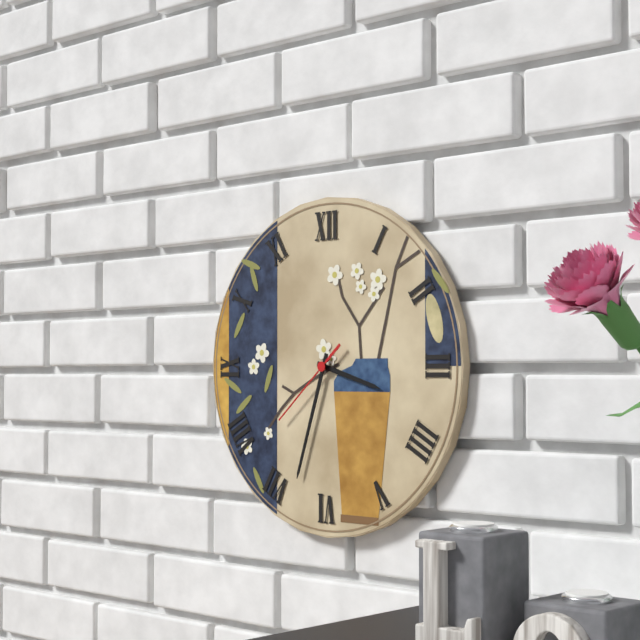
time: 3:33:38
